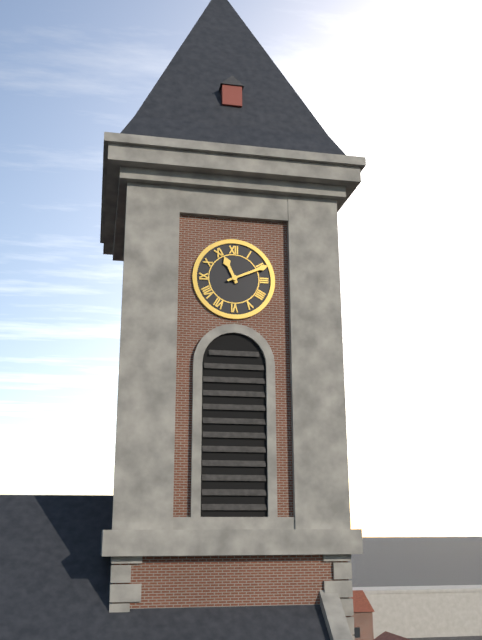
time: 11:11
